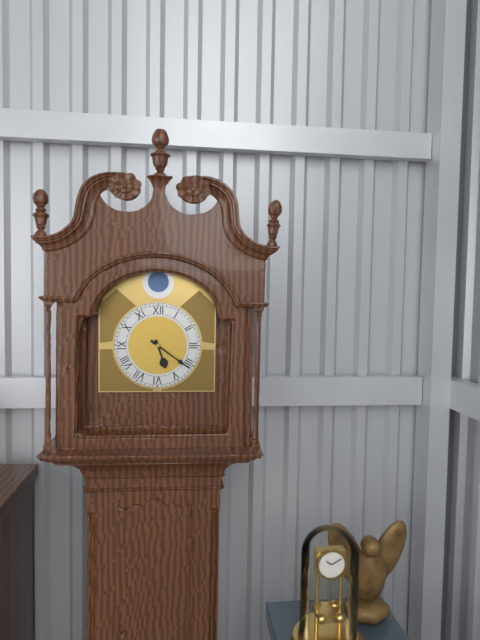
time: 5:21
